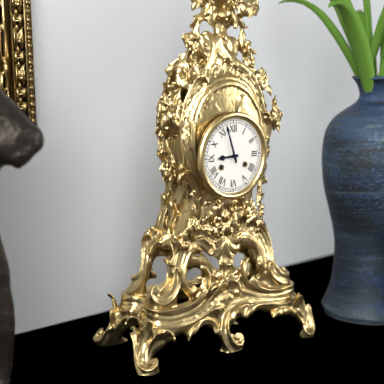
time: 8:57
